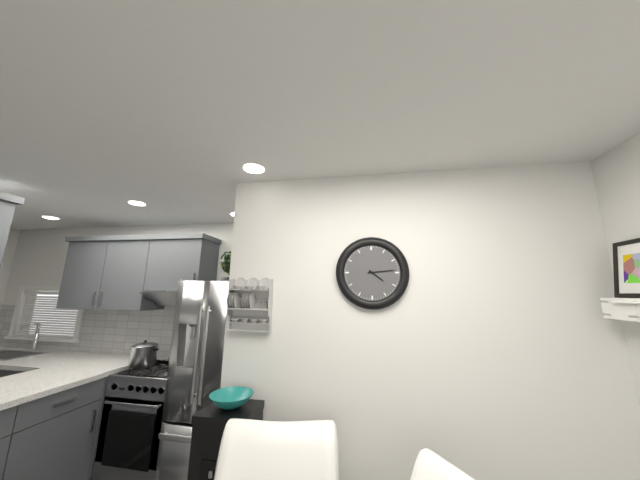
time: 4:14
